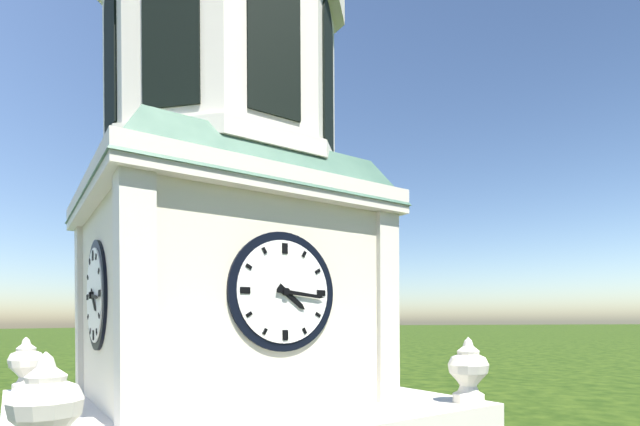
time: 4:16
